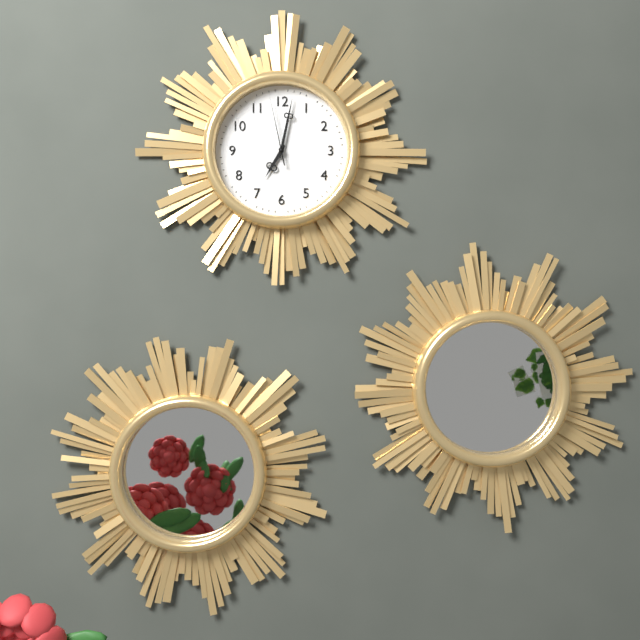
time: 7:02:58
